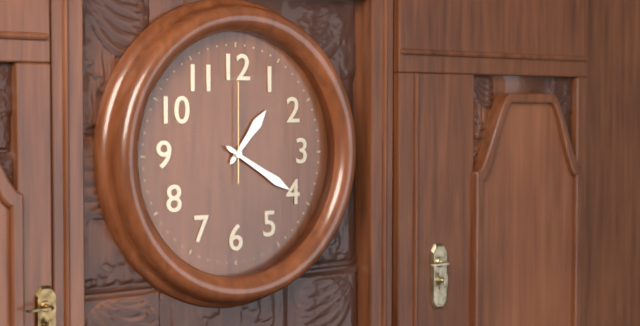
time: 1:20:00
